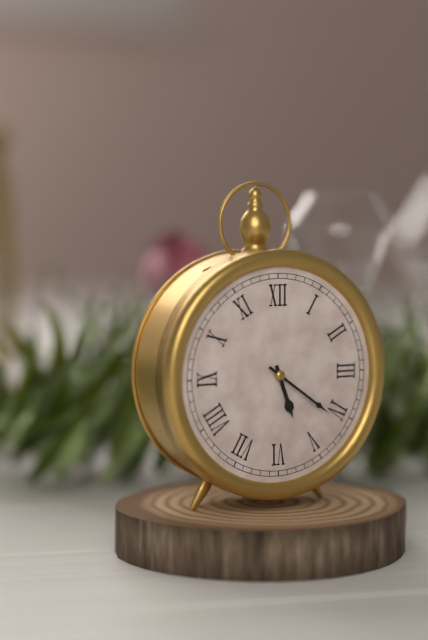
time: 5:21
